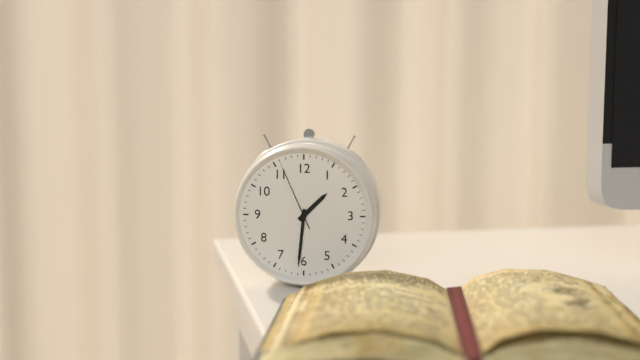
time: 1:31:56
